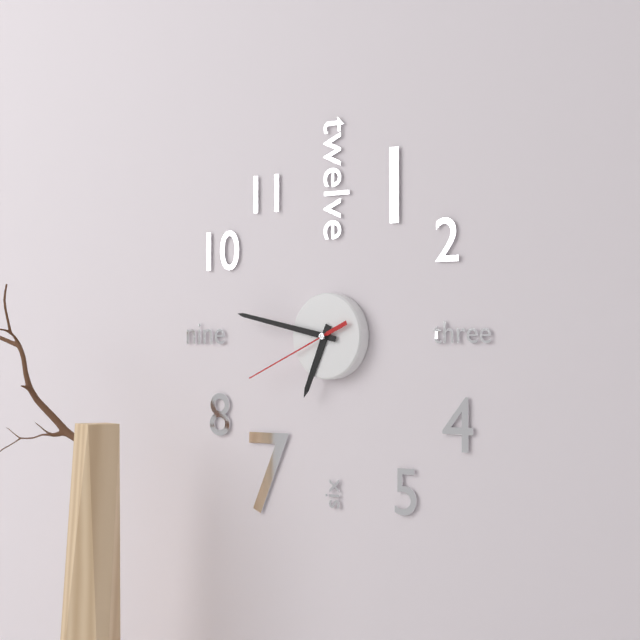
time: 6:47:41
